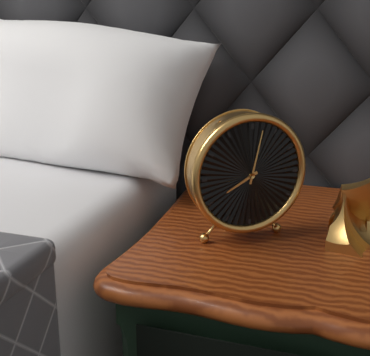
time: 8:02
